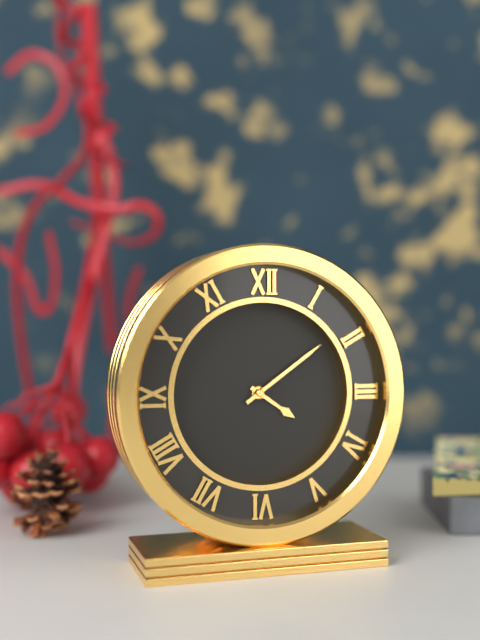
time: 4:09
